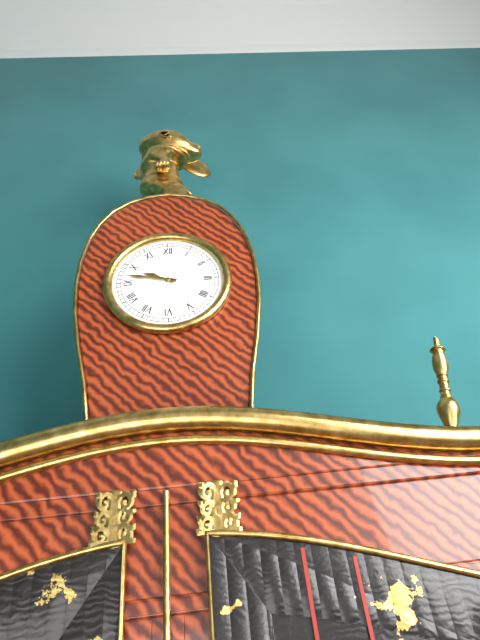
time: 9:47
